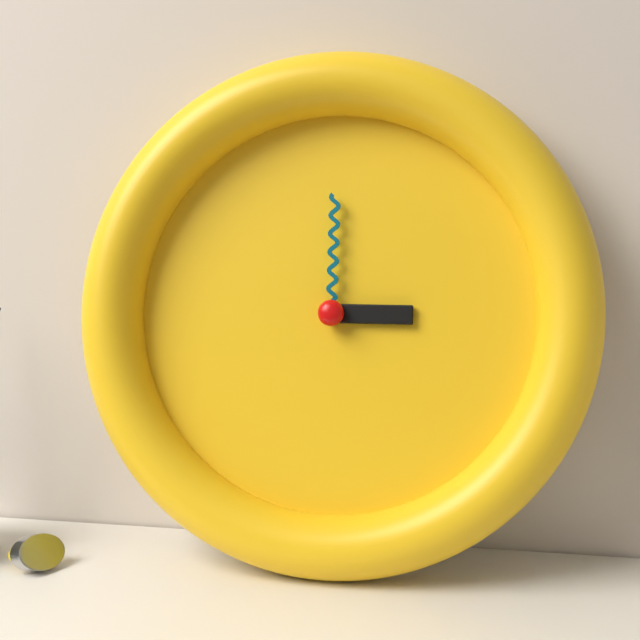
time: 3:00
